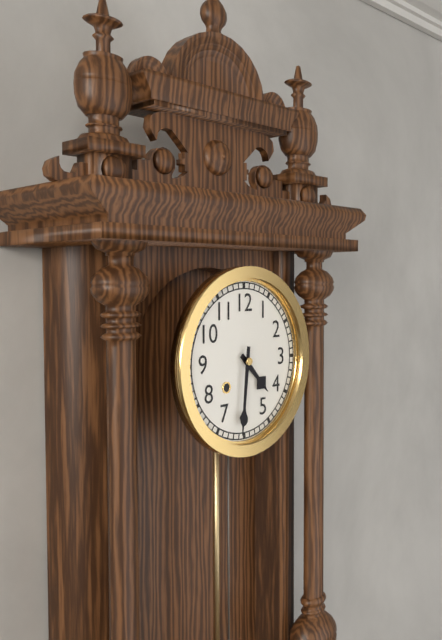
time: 4:31
